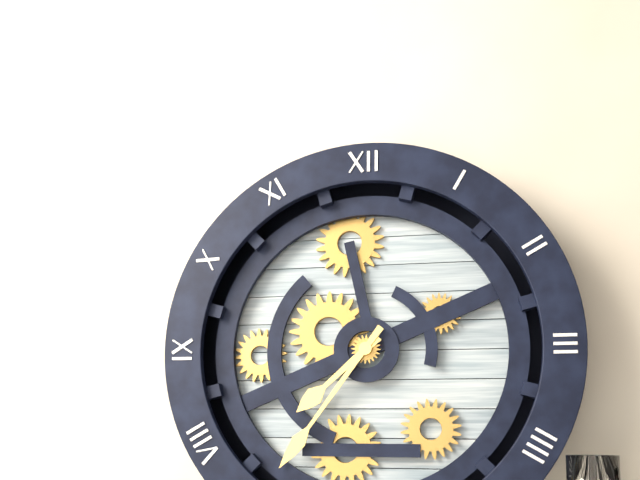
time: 7:36
